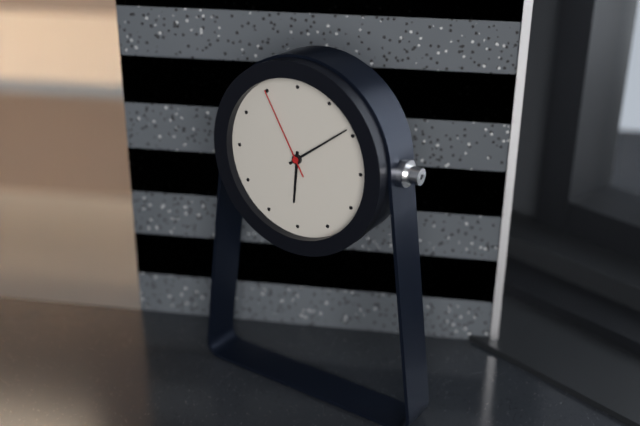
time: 6:09:55
